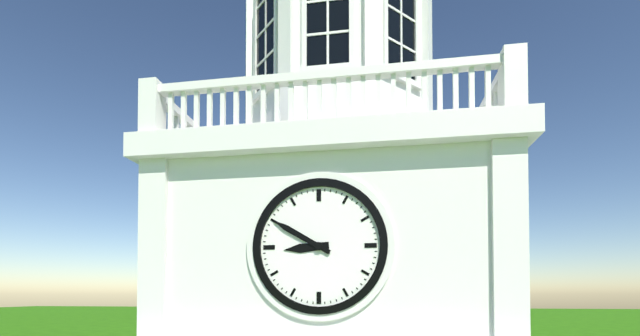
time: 8:50
